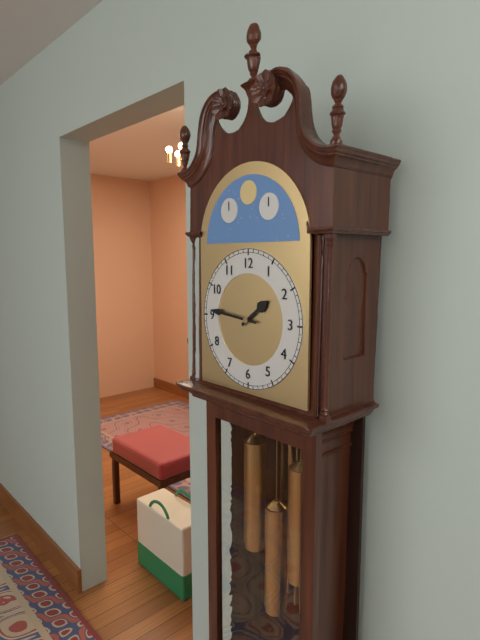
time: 1:46
